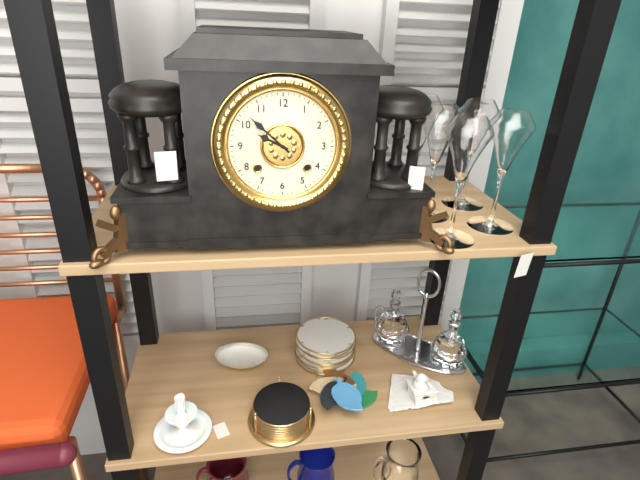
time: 9:52
